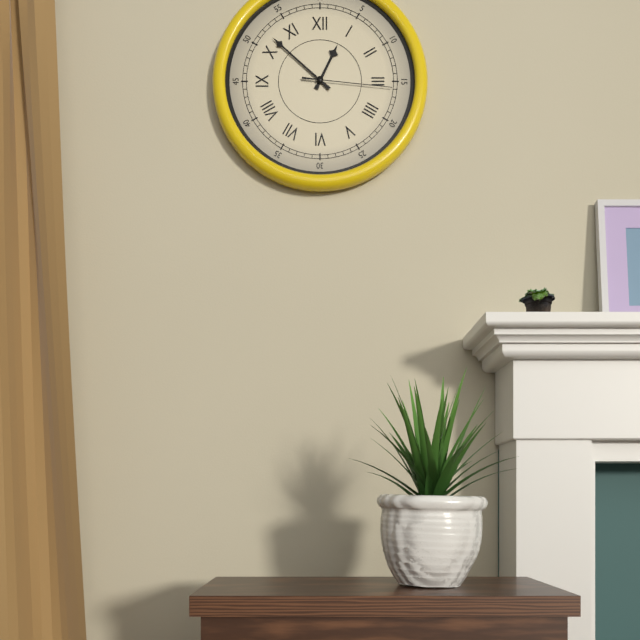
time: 12:52:16
